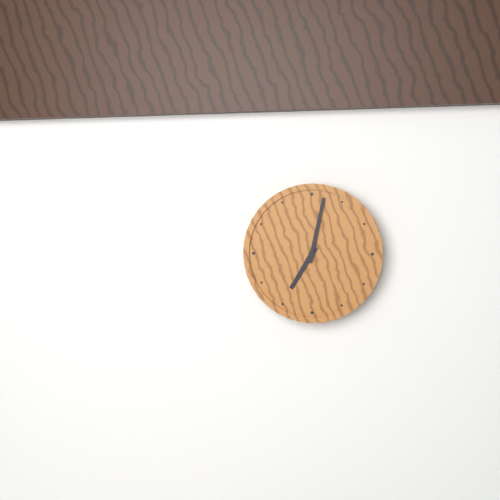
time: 7:02
